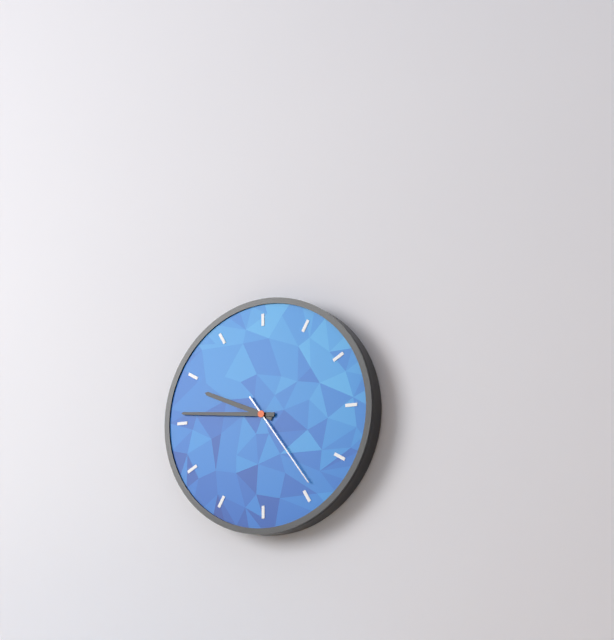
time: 9:46:24
